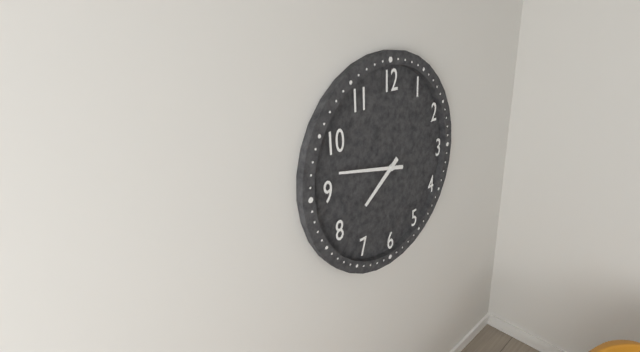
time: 7:47
